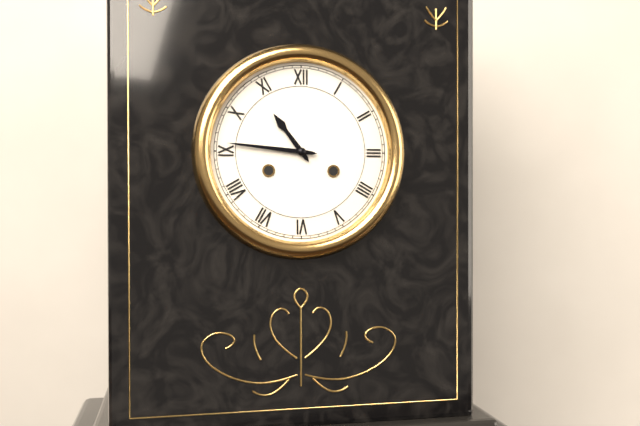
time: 10:46
